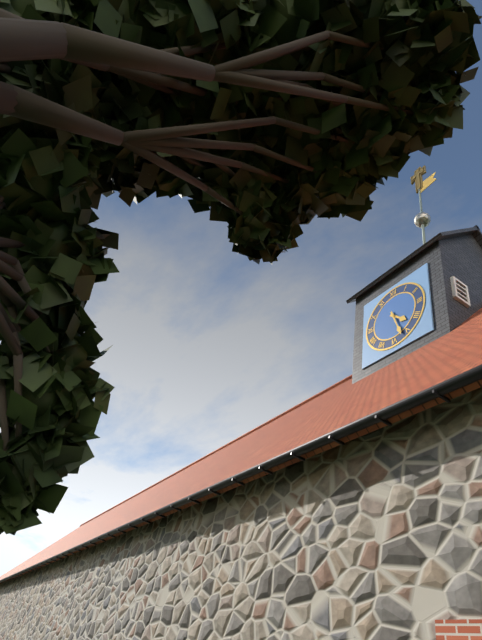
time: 4:27
